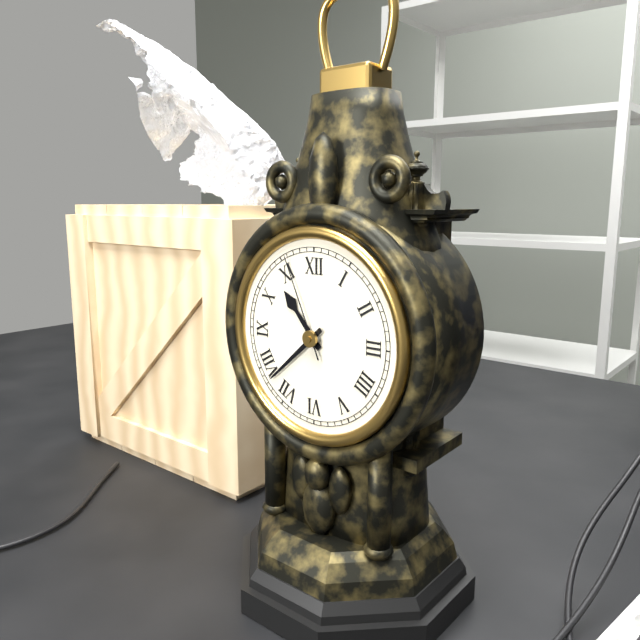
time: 10:38:56
